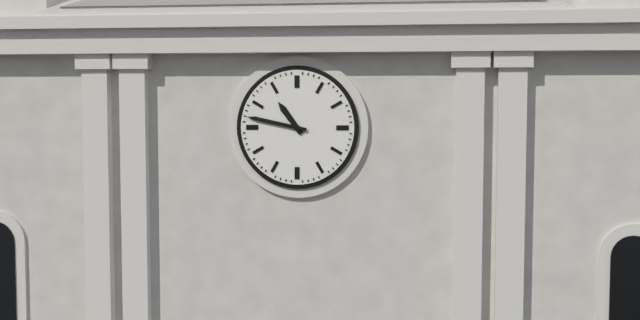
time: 10:47
